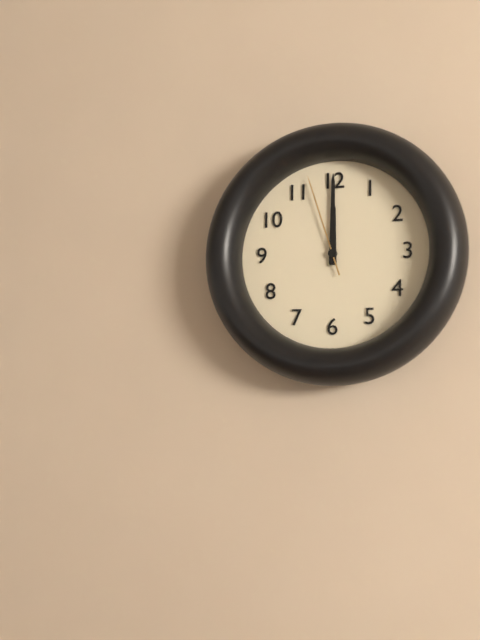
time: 12:00:57
